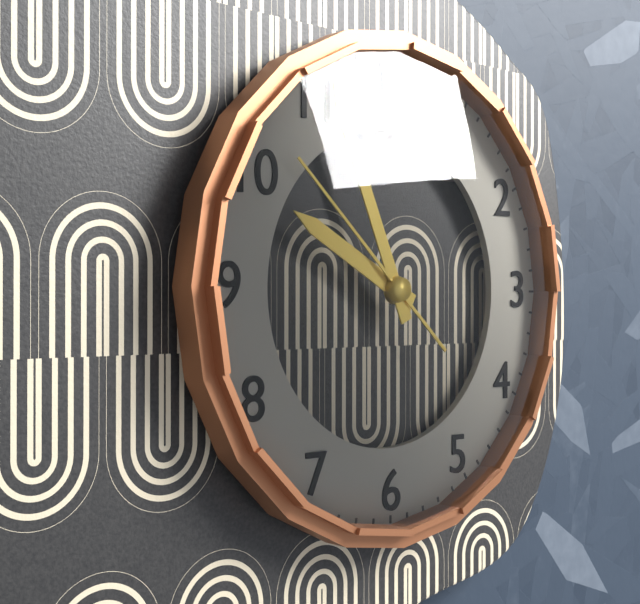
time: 9:56:52
